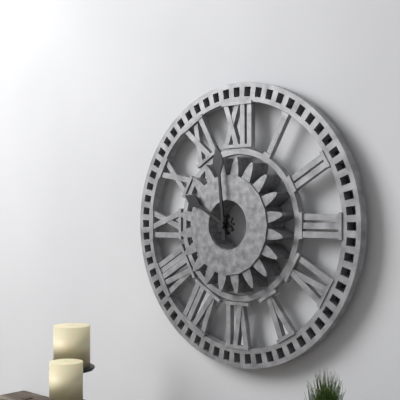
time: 9:59
